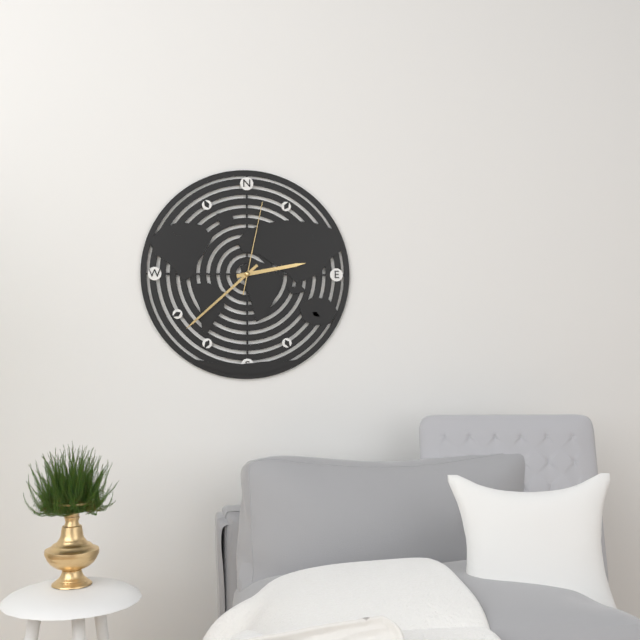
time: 2:38:02
